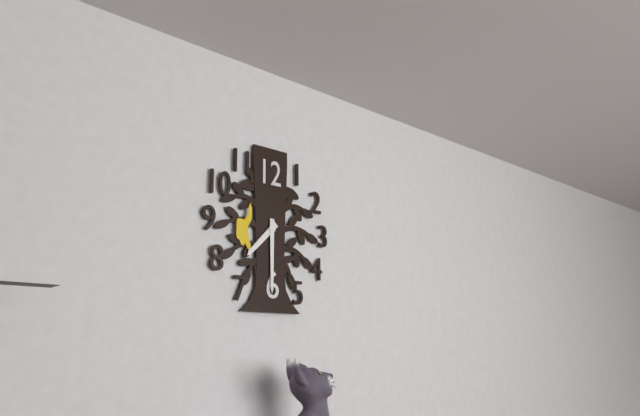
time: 7:30
